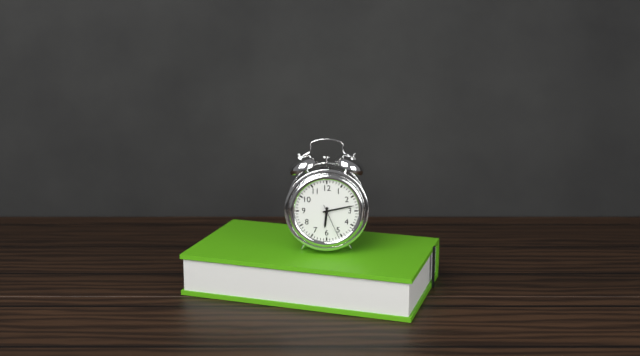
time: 6:13
